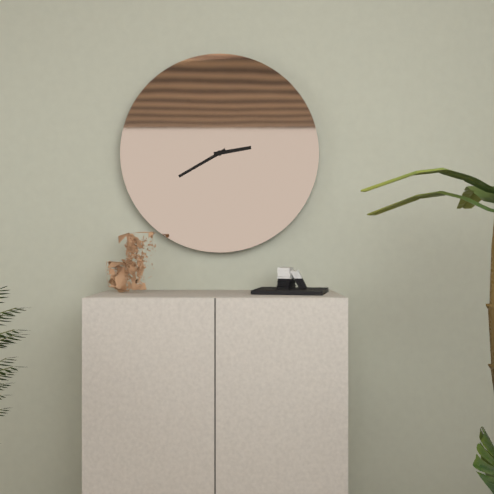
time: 2:40
